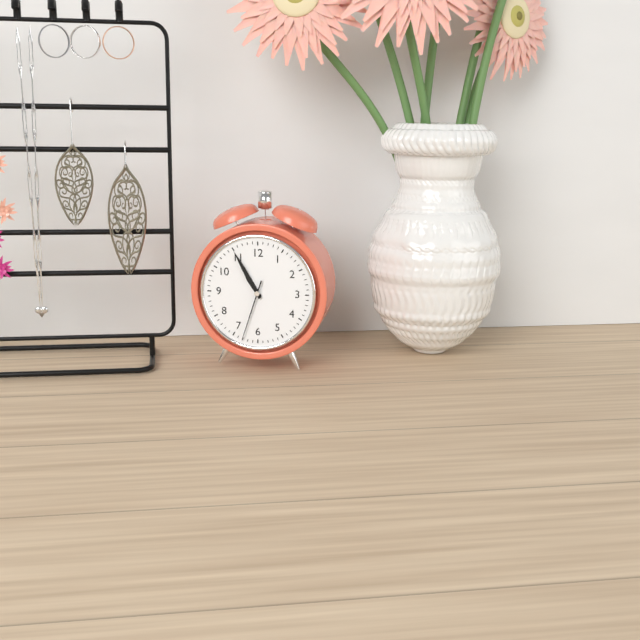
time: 10:55:33
